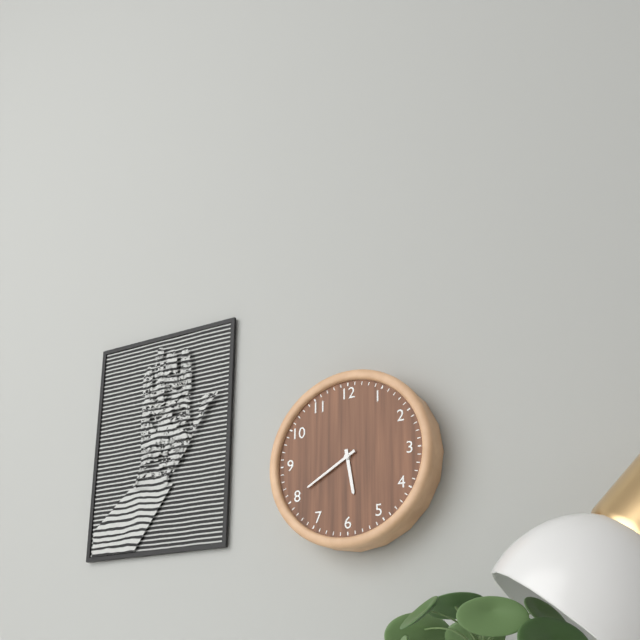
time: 5:40
